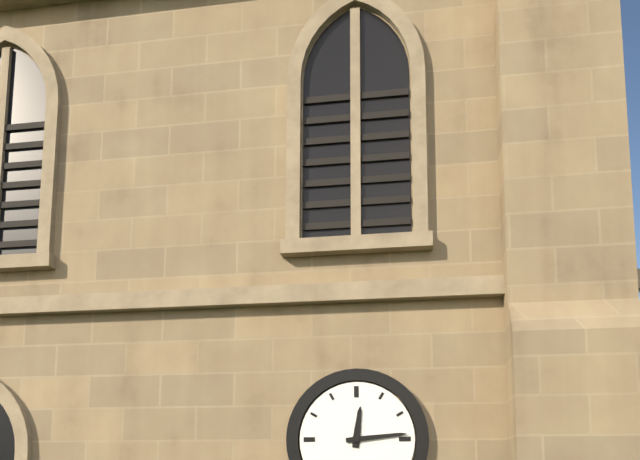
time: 12:14
